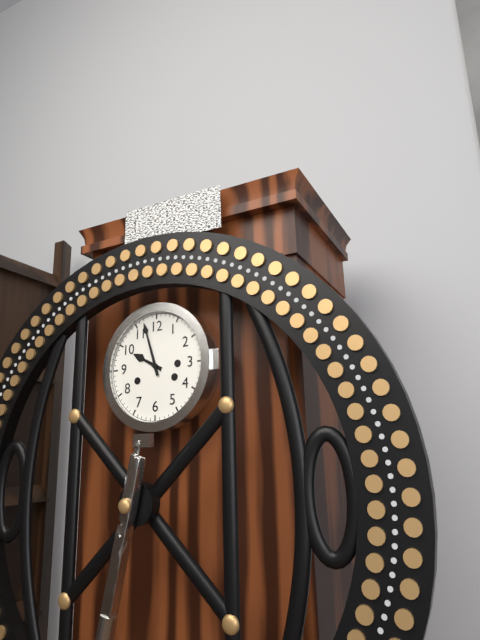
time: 9:57
